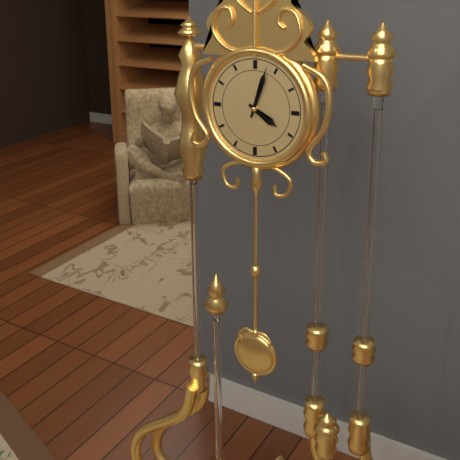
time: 4:03
